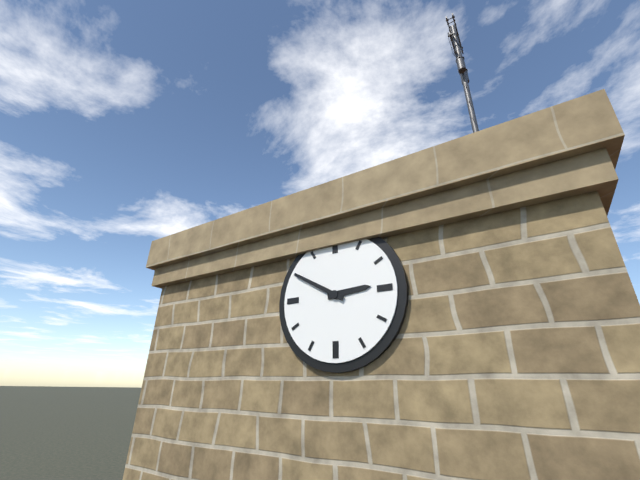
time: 2:50
